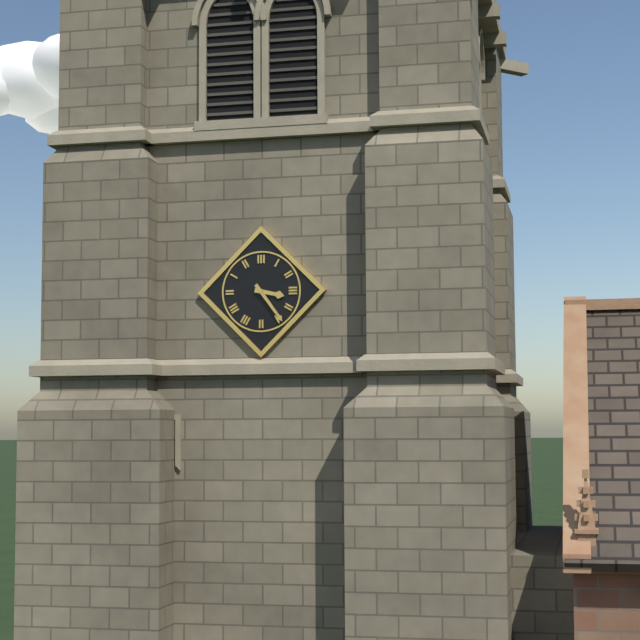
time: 3:24
